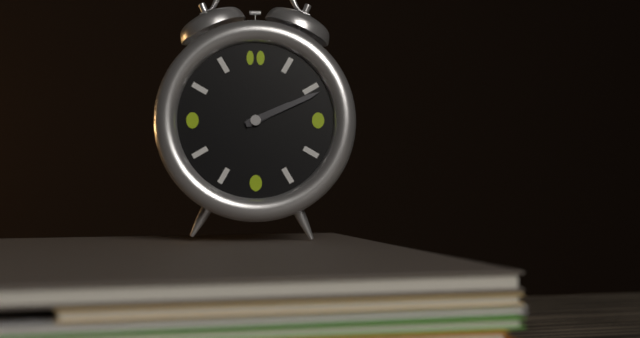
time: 2:11
